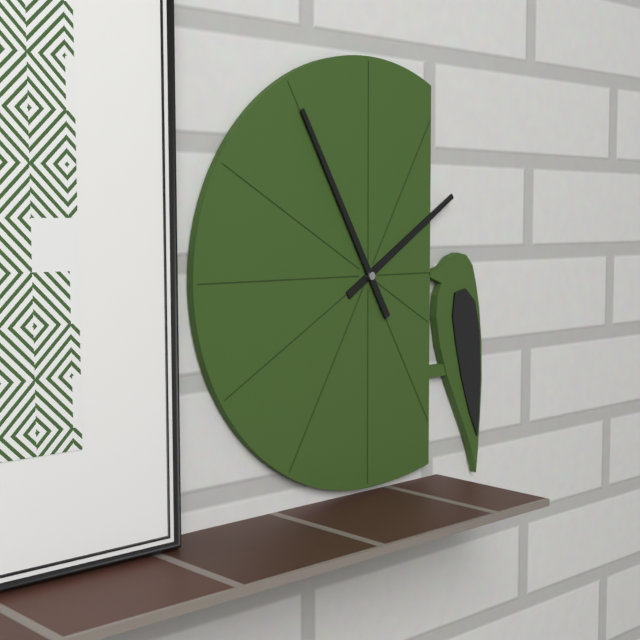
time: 1:55
